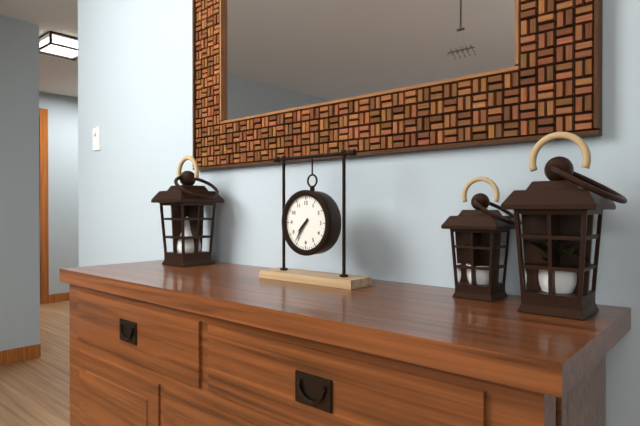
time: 7:36
